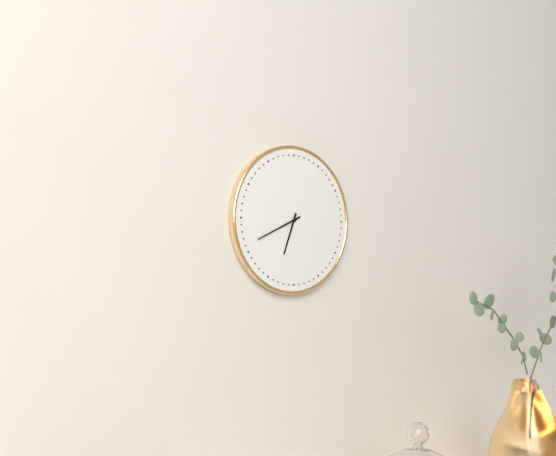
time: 6:41
